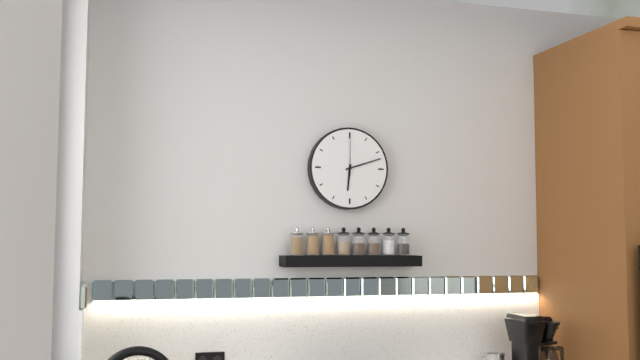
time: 6:12
